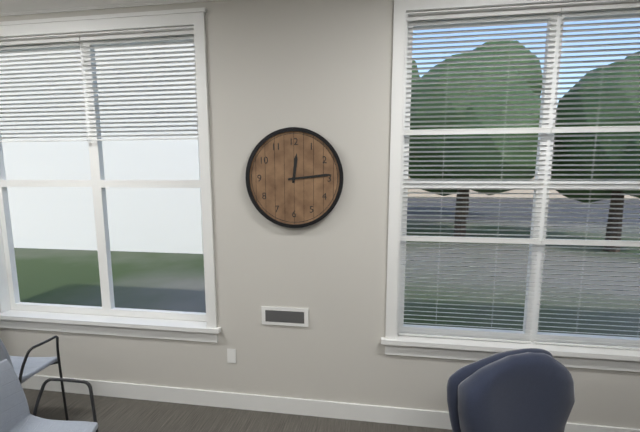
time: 12:14
